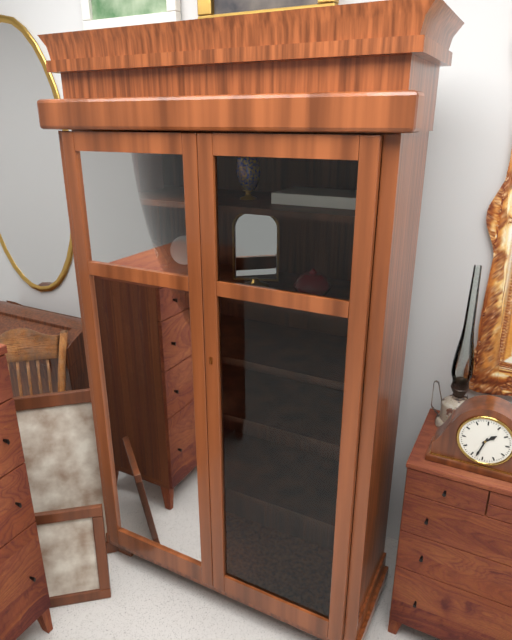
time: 1:33
